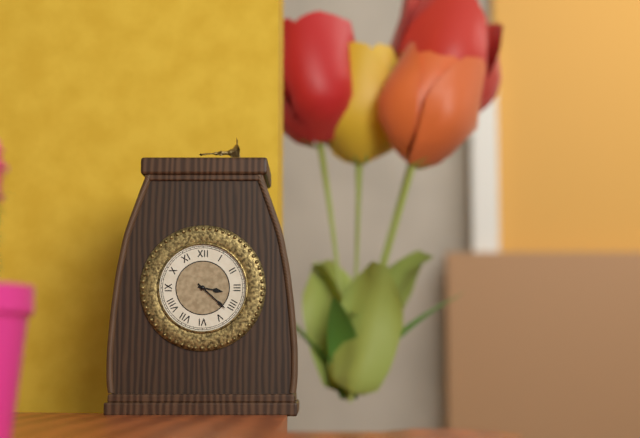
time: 3:22
